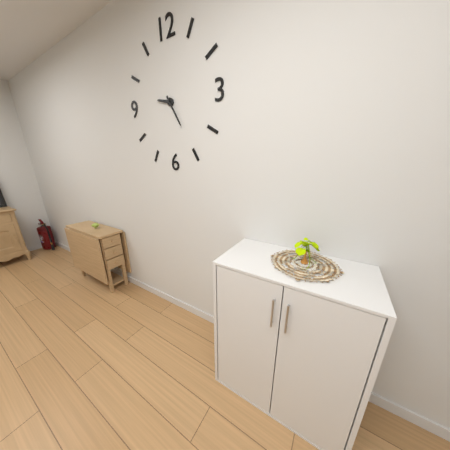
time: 9:25
